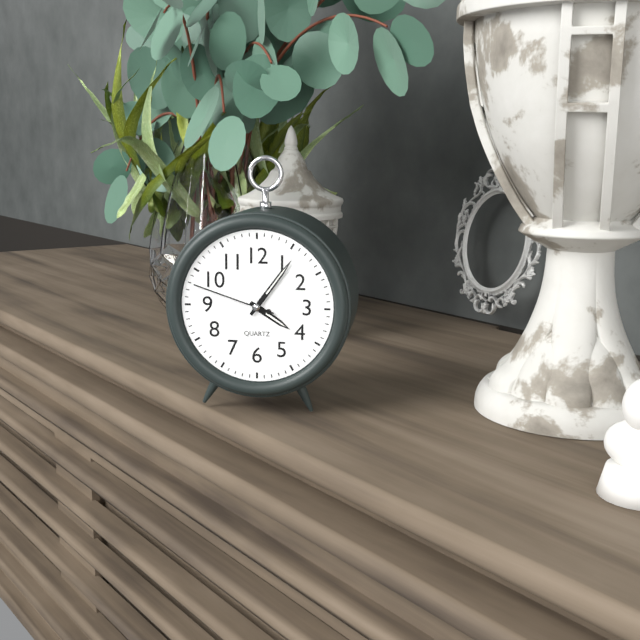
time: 4:06:48
